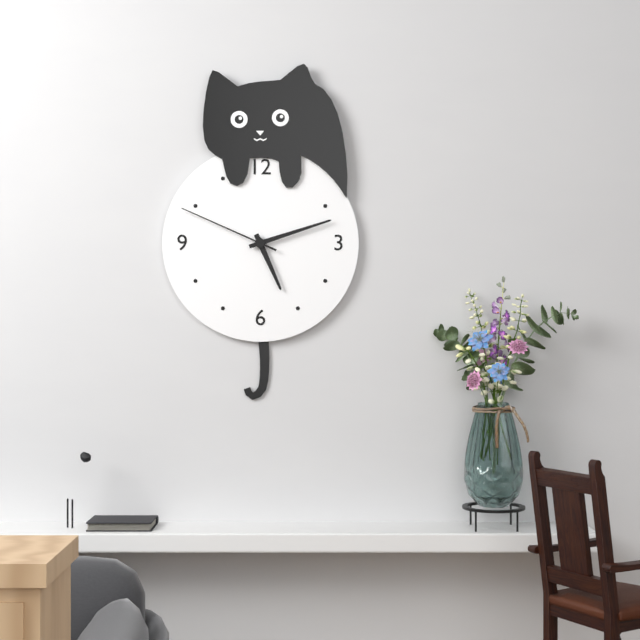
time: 5:12:49
